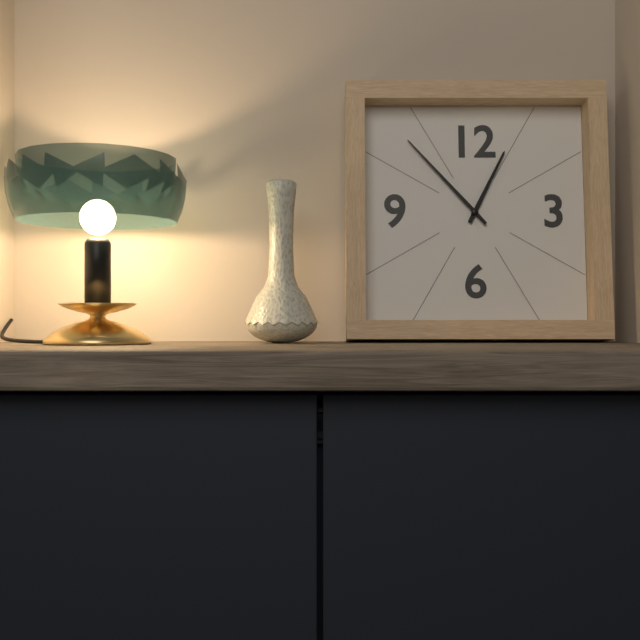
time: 12:53
